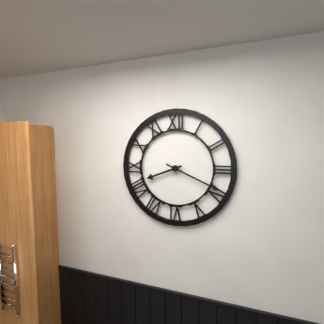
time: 8:19
